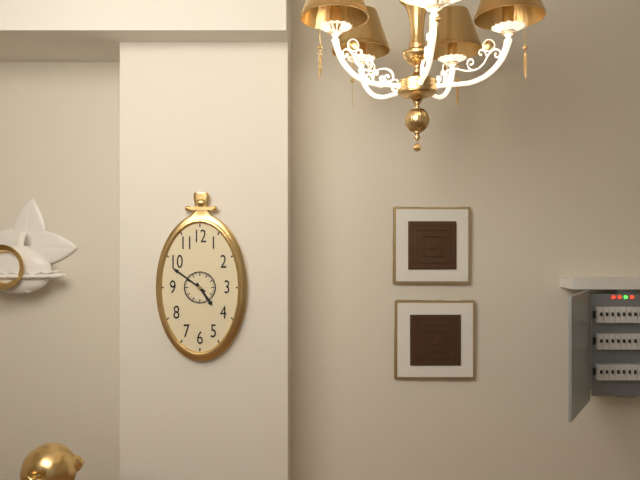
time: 4:51
